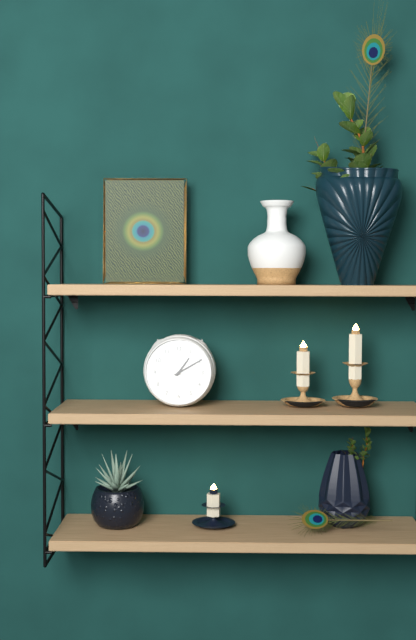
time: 1:10
